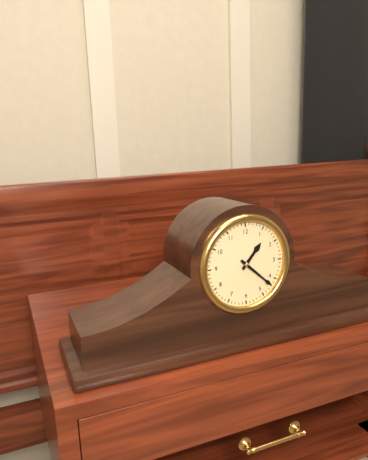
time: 1:22
